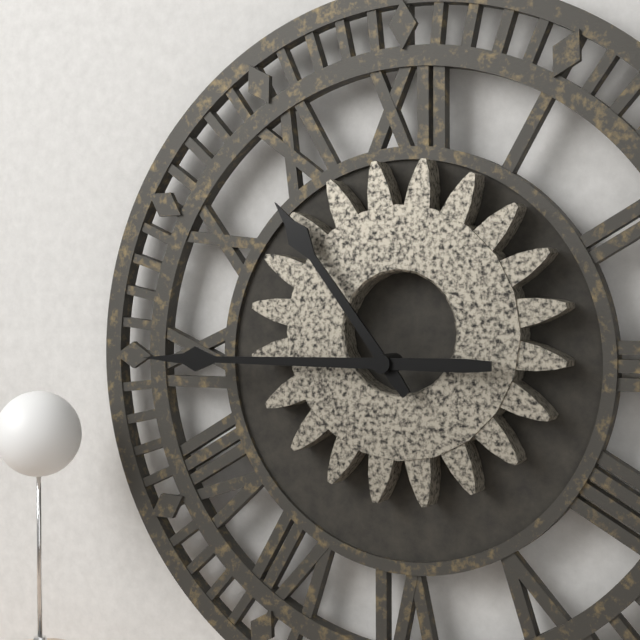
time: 10:45
